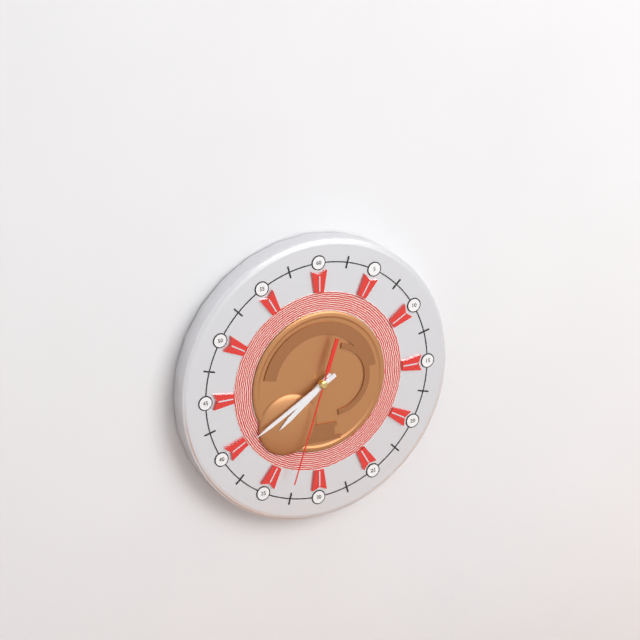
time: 7:40:33
